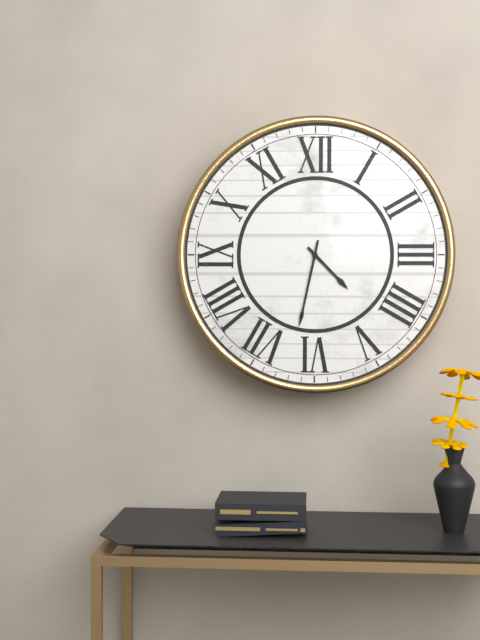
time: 4:32
